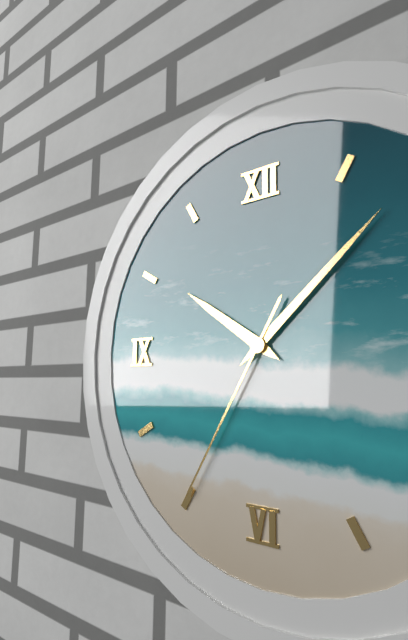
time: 10:08:35
